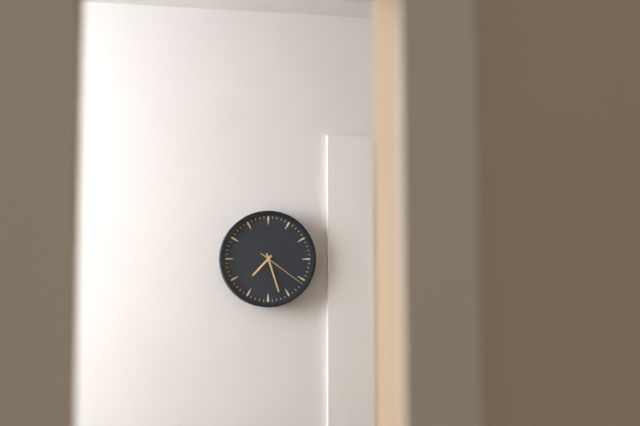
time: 7:27
